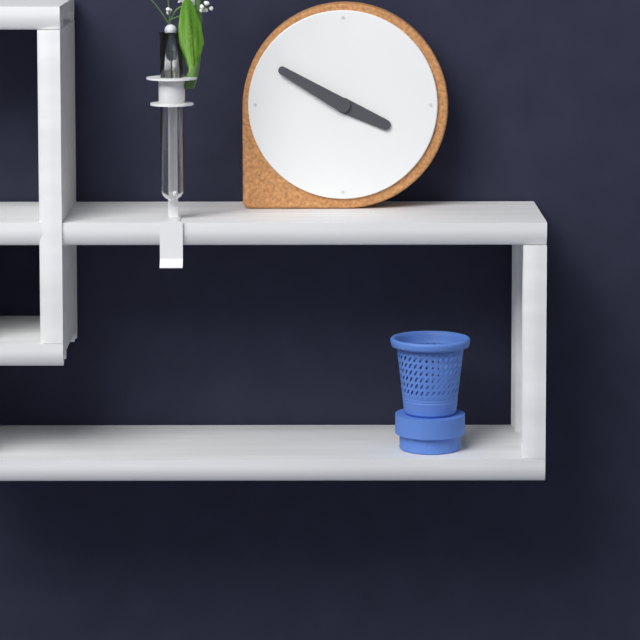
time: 3:50
